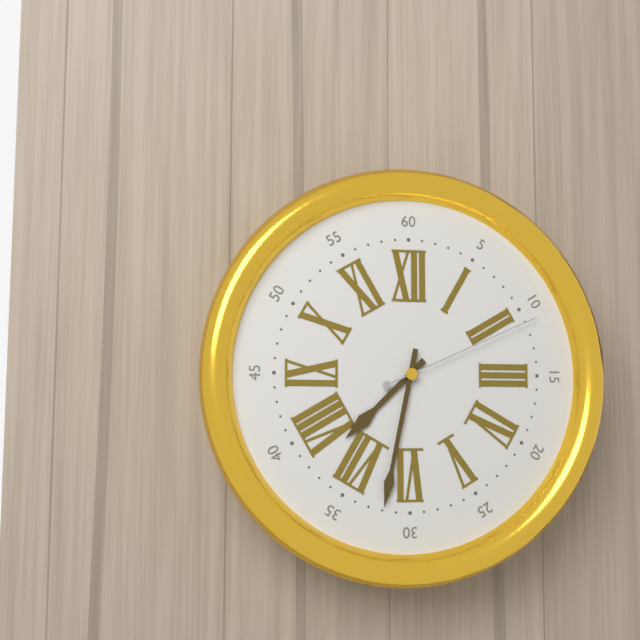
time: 7:32:11
